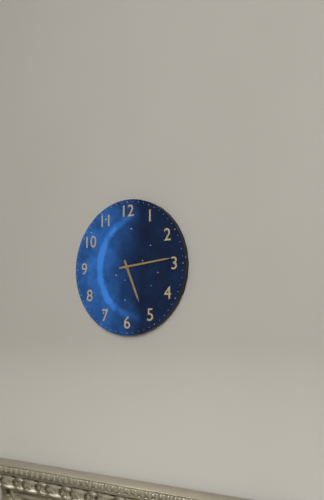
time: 5:14
